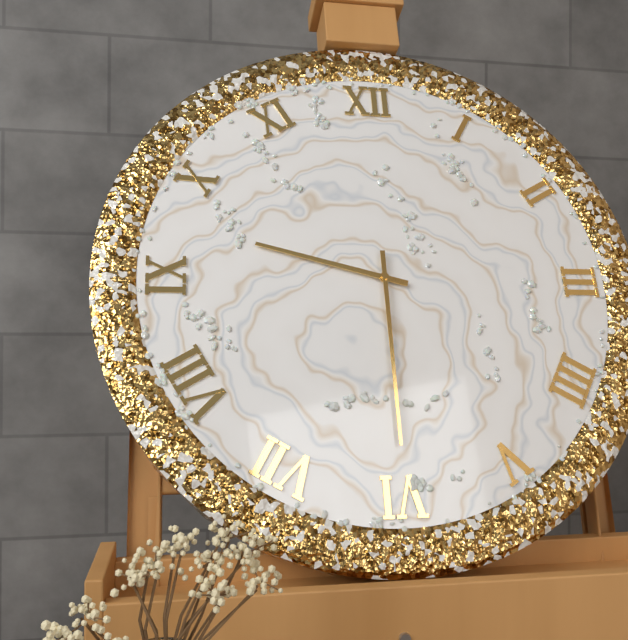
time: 9:30
